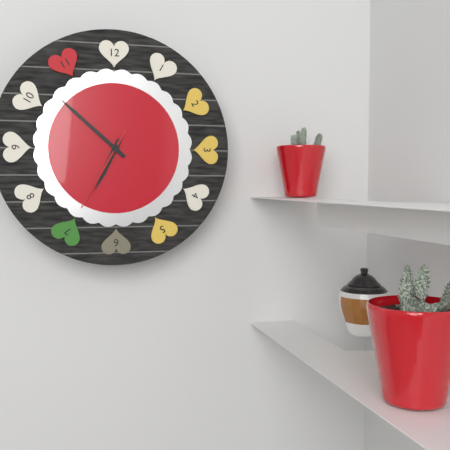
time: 6:52:35
